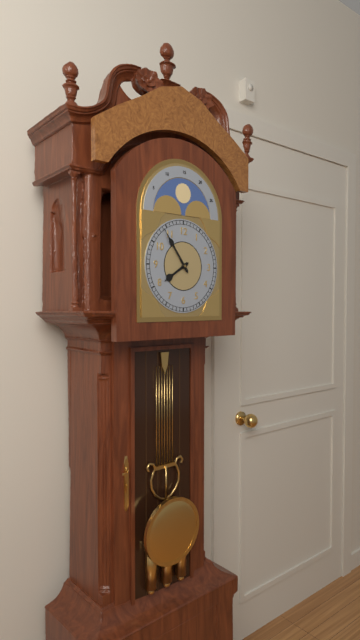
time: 7:54
